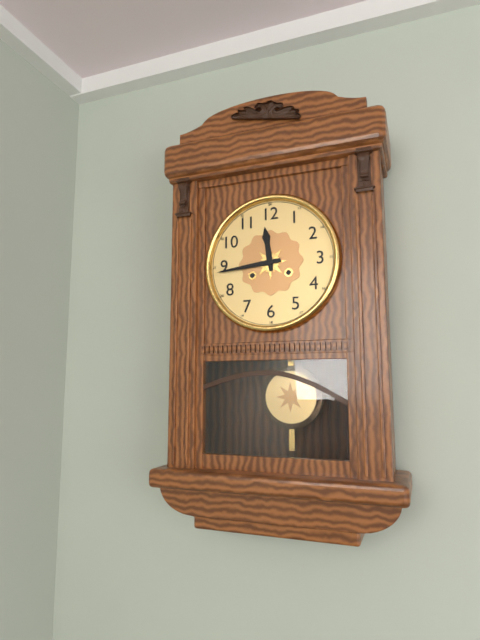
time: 11:44
